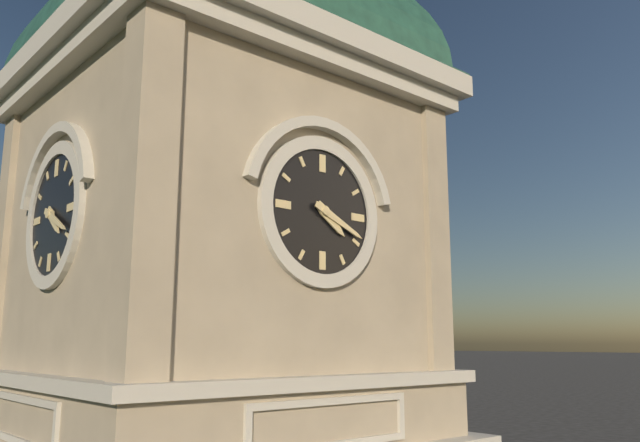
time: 4:19
